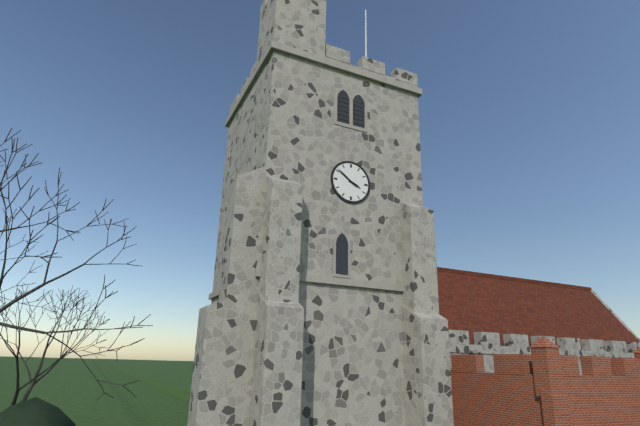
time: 3:51
